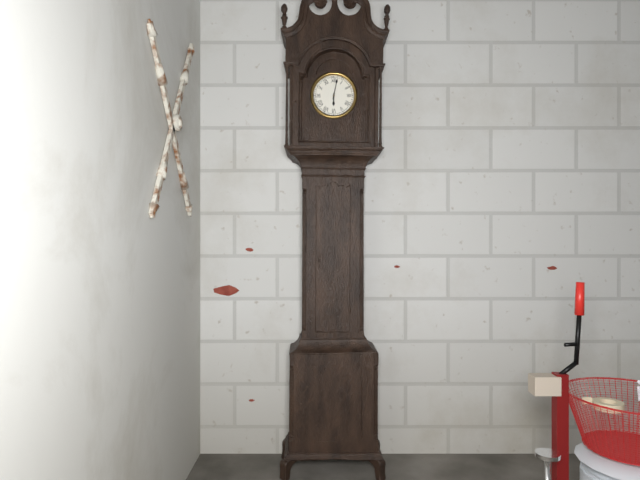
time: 6:02
